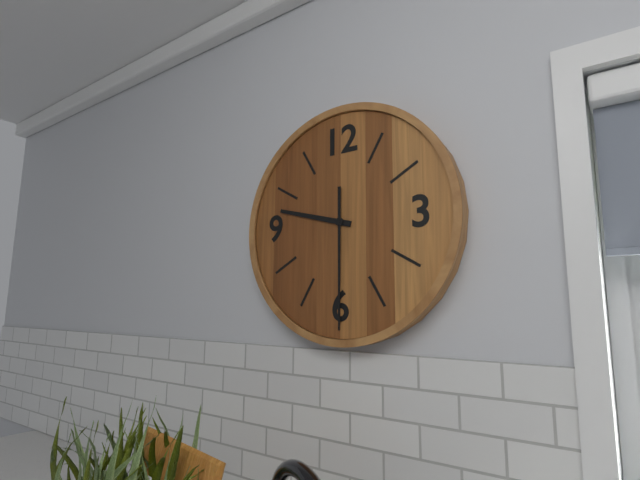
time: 9:30
